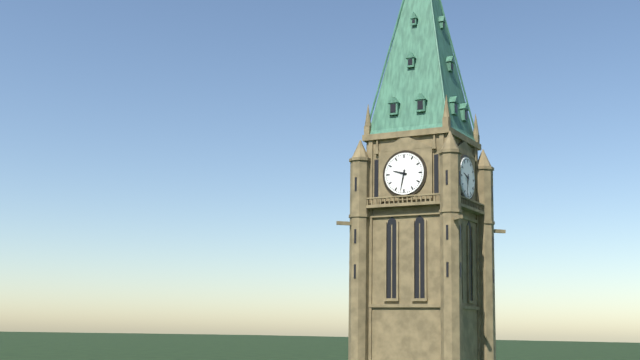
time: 9:32
